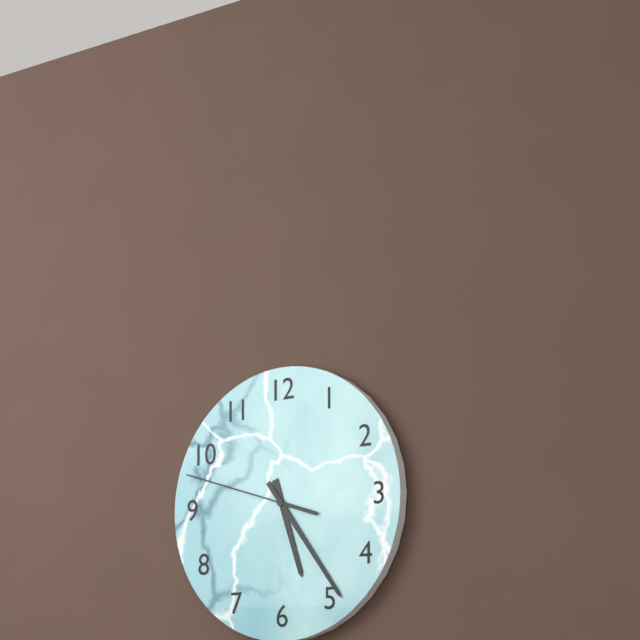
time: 5:24:48
